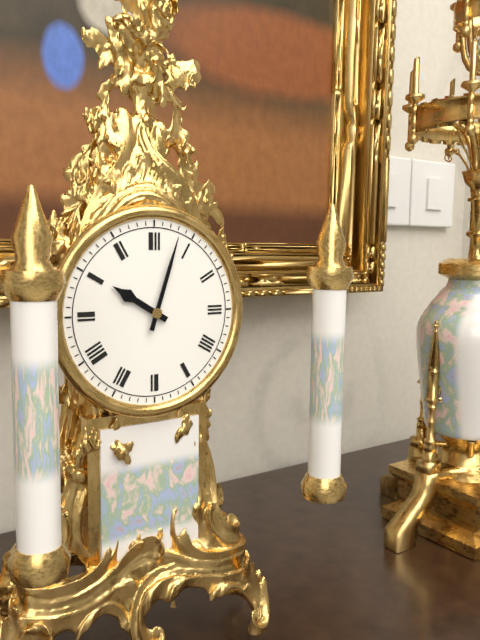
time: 10:03
